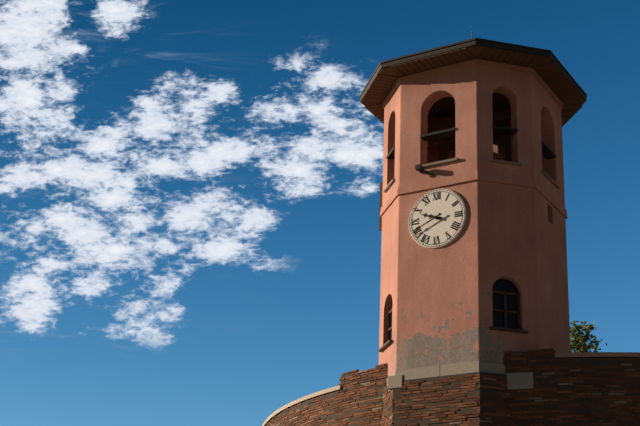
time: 9:41
